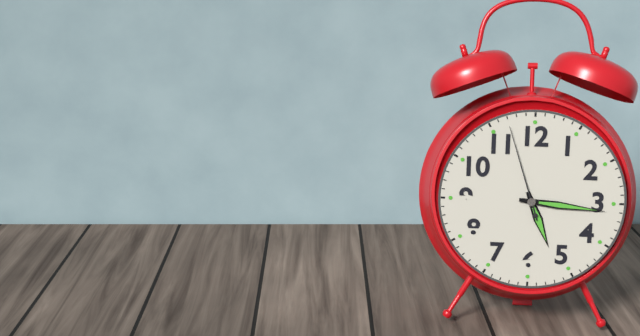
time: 5:16:57
